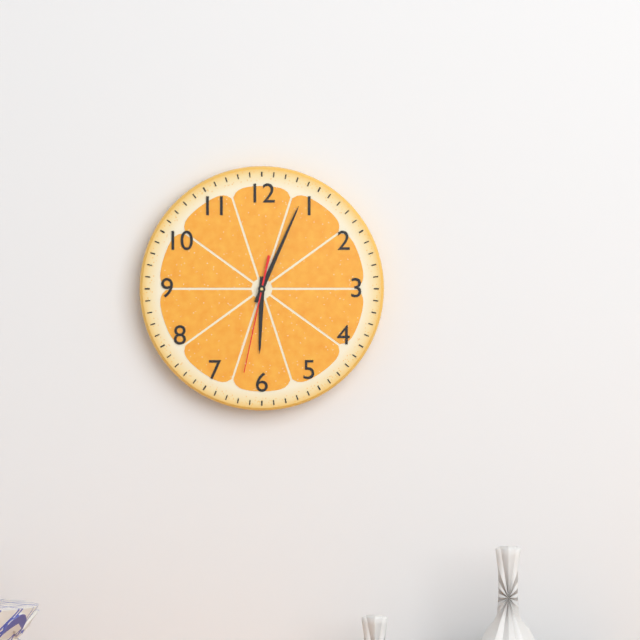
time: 6:04:32
